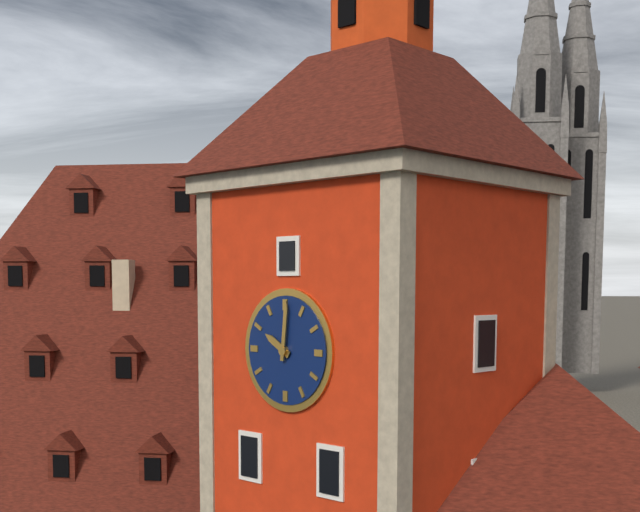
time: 10:01
